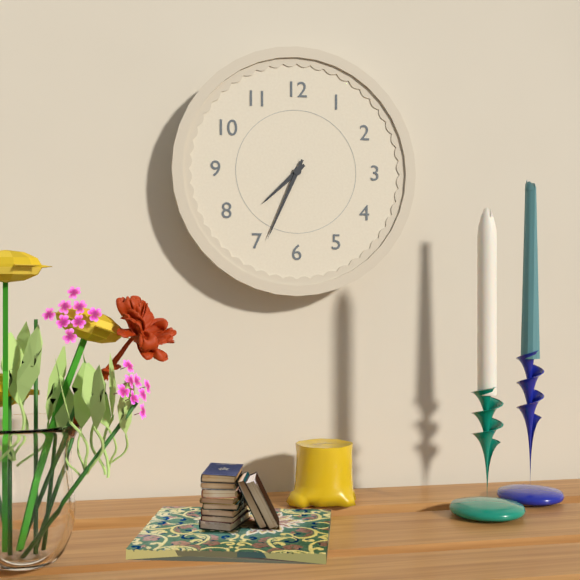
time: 7:34
